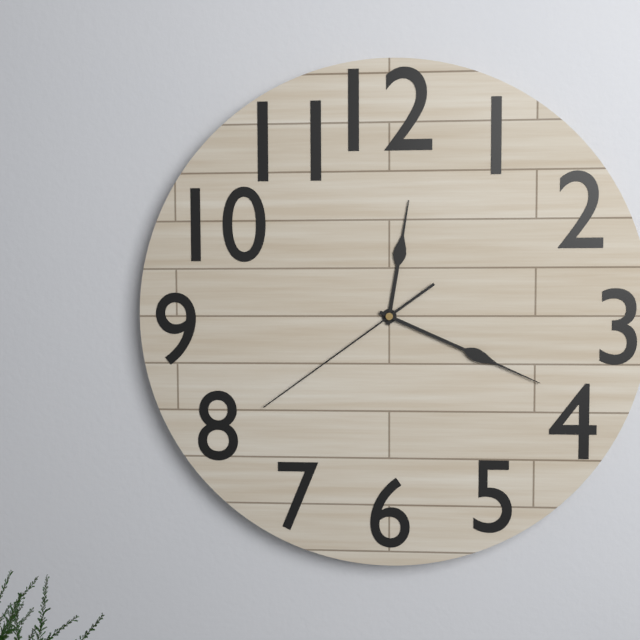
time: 12:19:39
